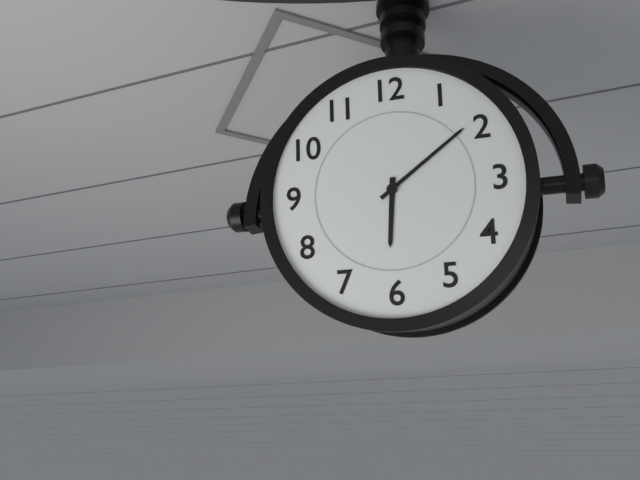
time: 6:09
